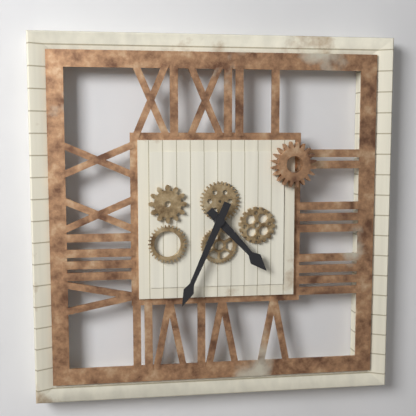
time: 4:34
